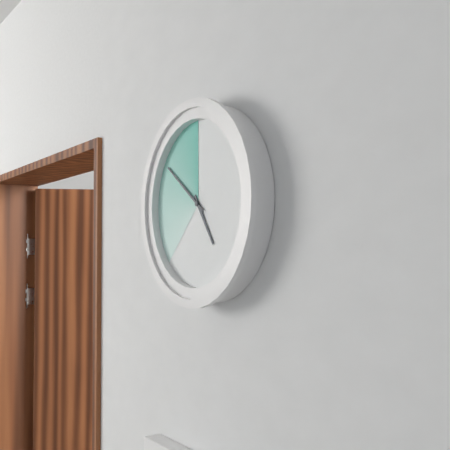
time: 4:51
